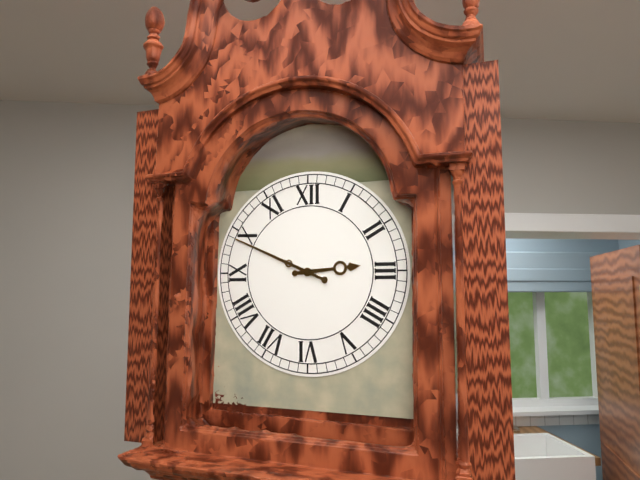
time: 2:49
